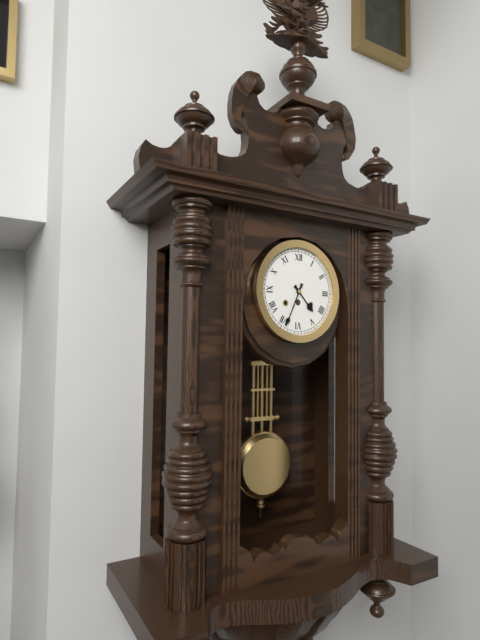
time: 4:34
